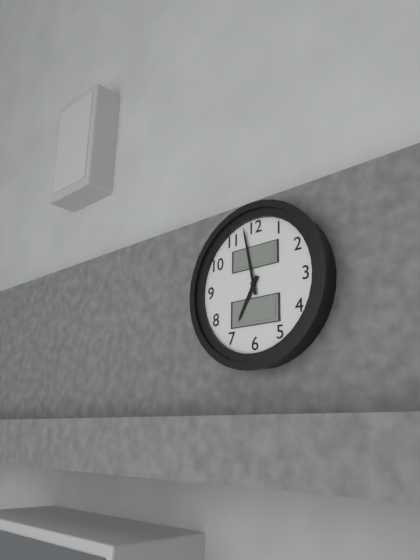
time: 6:58
